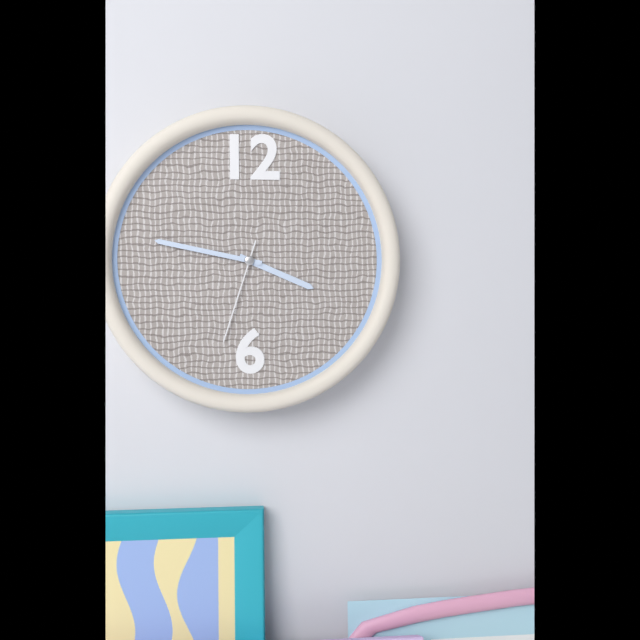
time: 3:47:33
